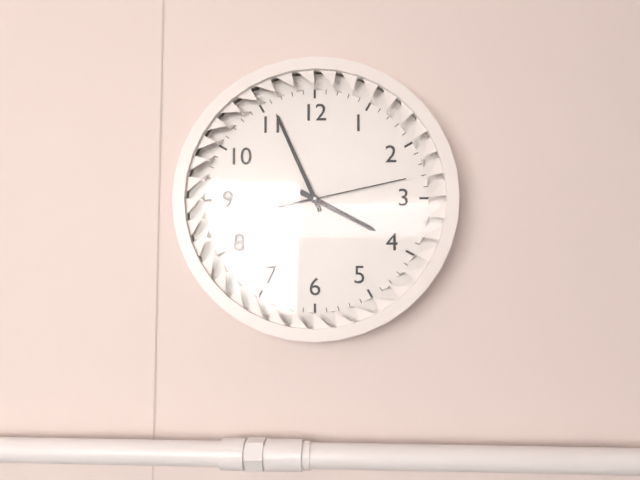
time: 3:56:13
